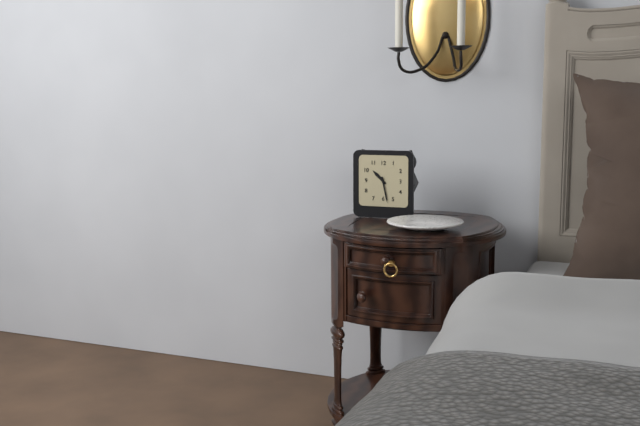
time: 10:28
